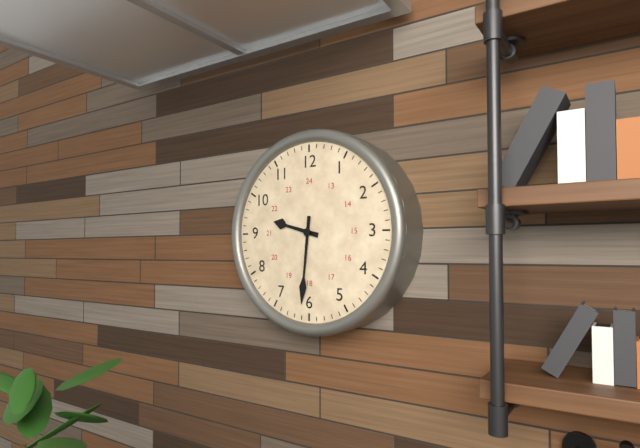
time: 9:31
